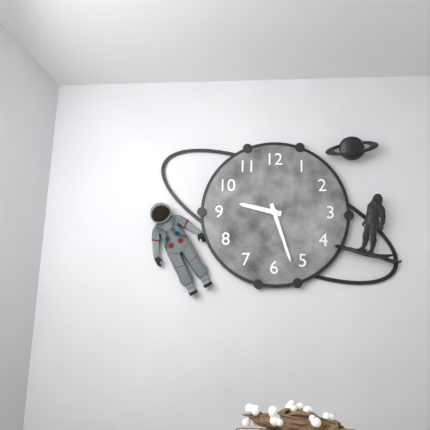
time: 9:27
